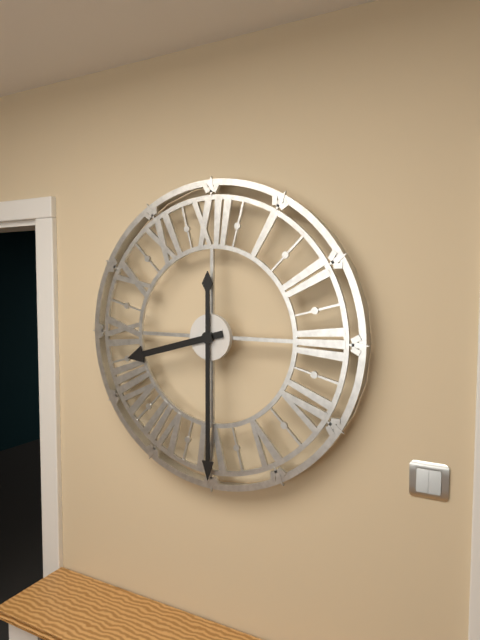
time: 8:30
